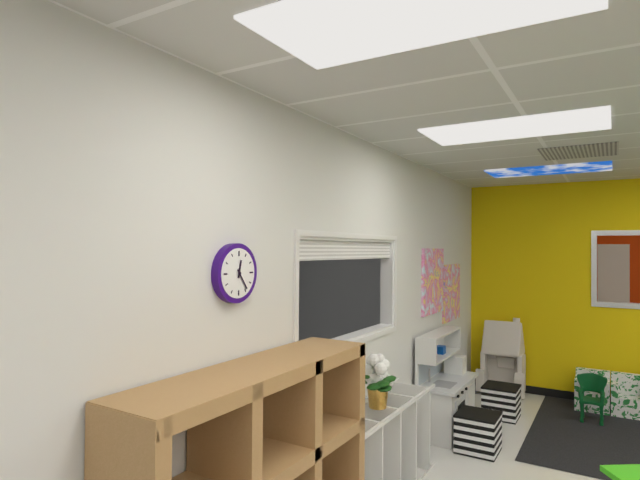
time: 12:24
